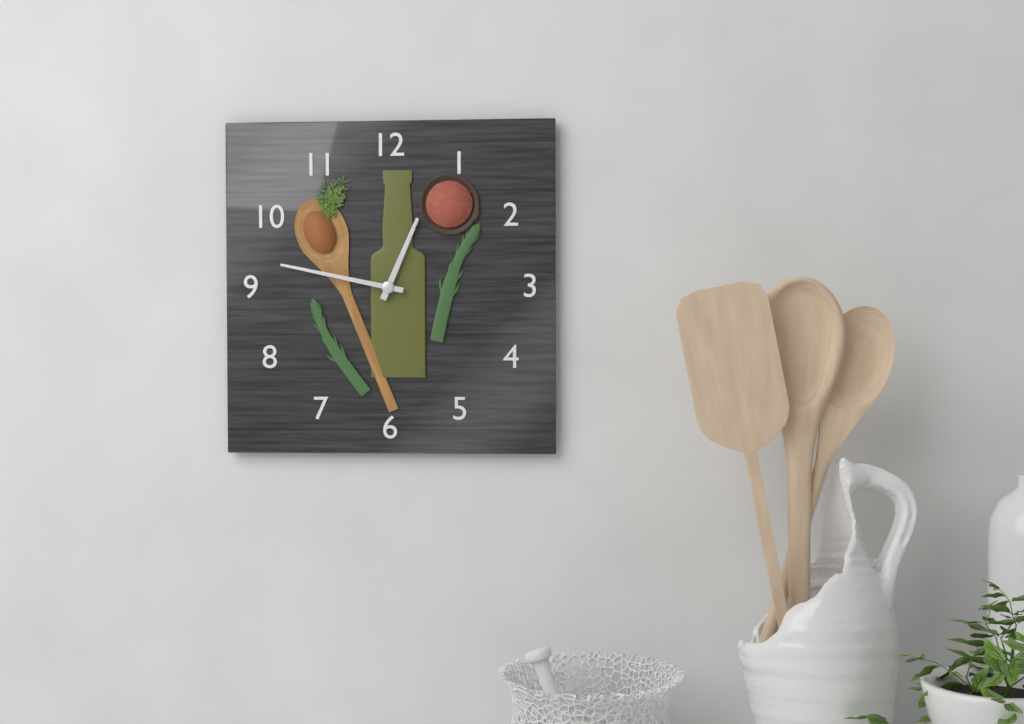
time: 12:47
